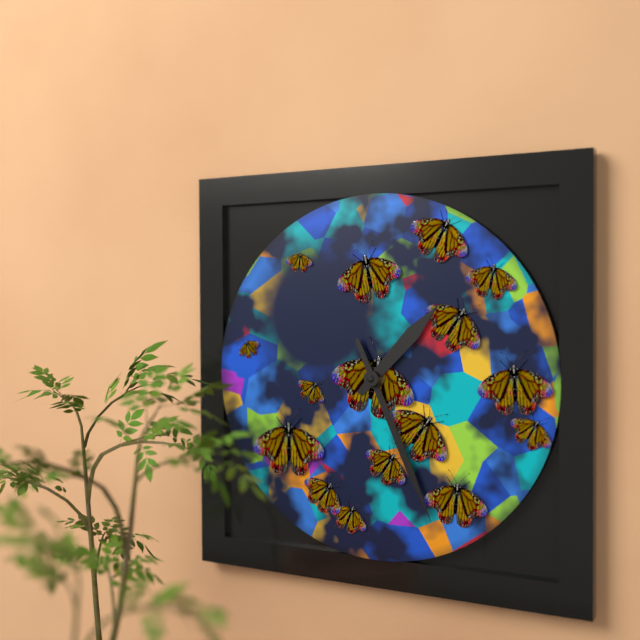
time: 1:26
